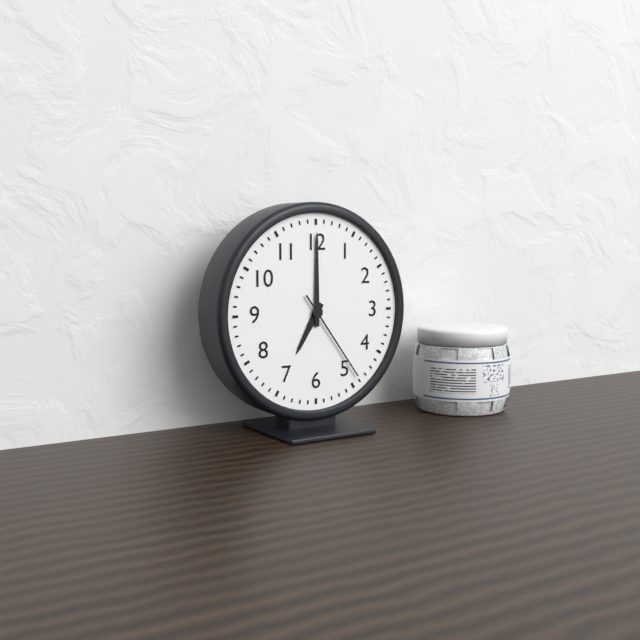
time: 7:00:24
